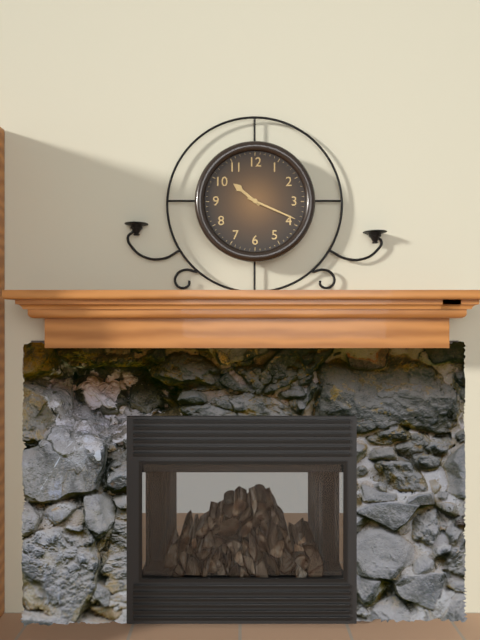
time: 10:19
